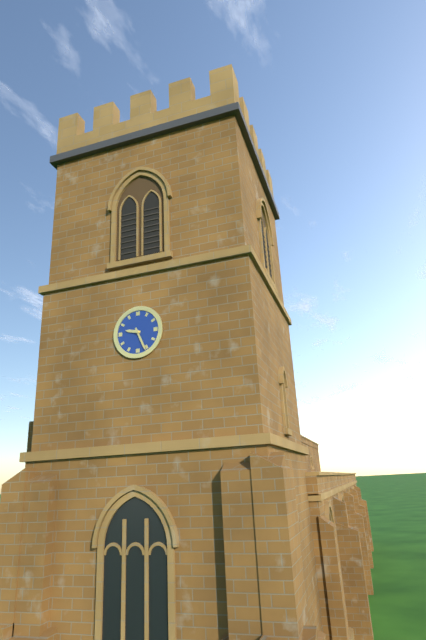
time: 9:26
